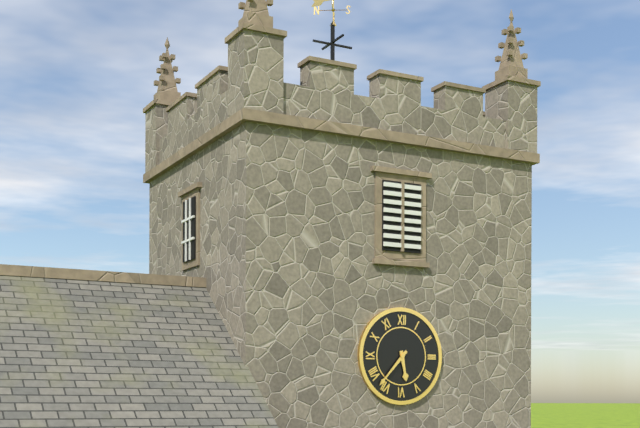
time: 5:37
